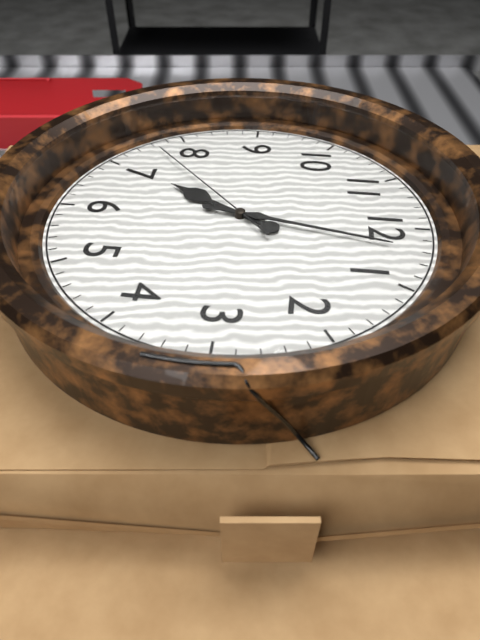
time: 7:02:38
